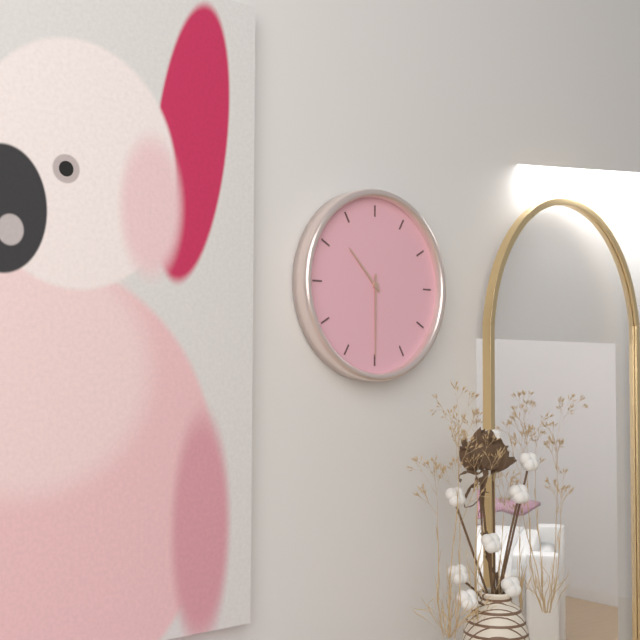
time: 10:30
